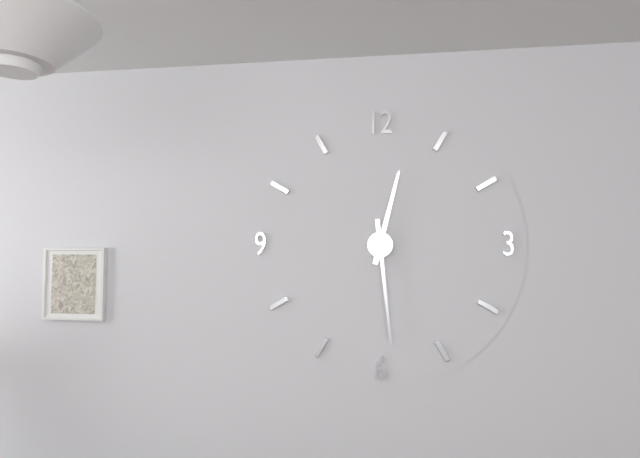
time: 12:29
